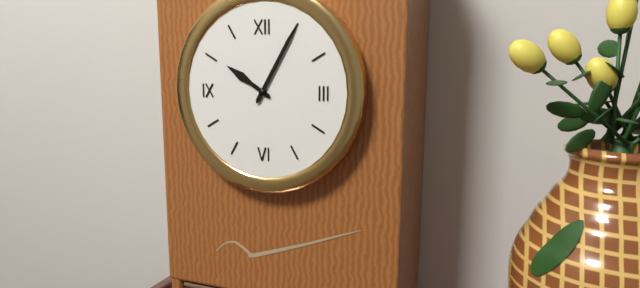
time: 10:05
